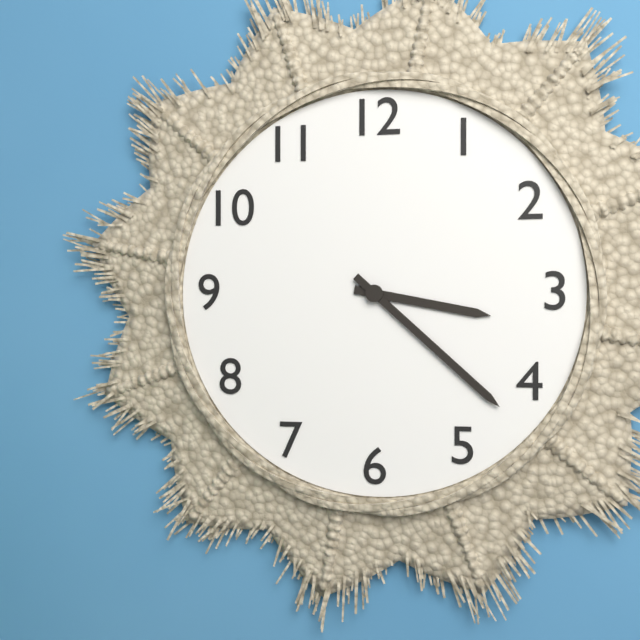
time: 3:22
